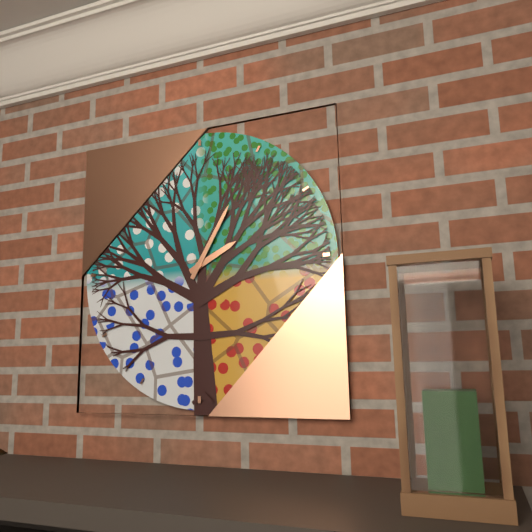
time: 2:05
